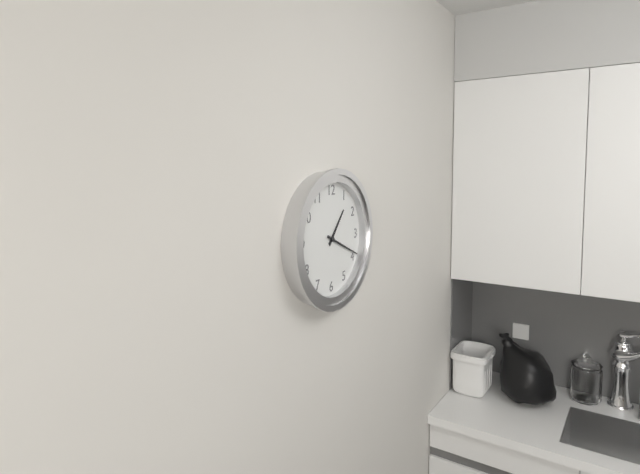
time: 1:19
